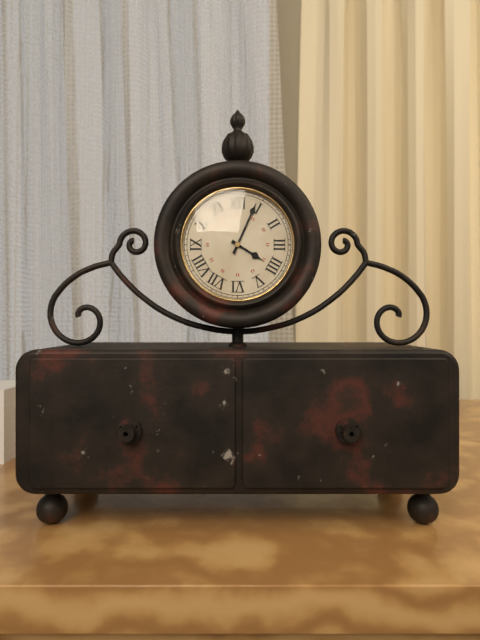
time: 4:04
